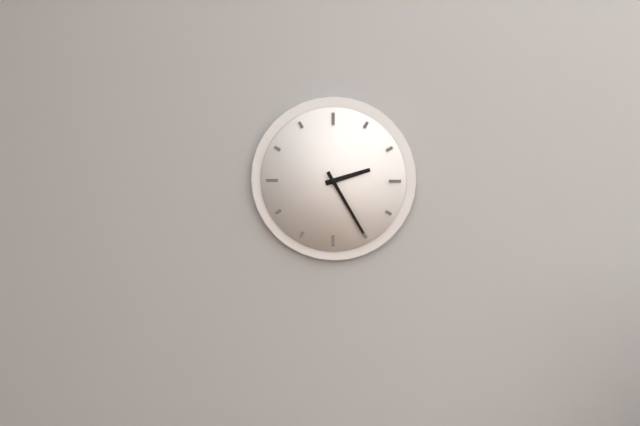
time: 2:25
